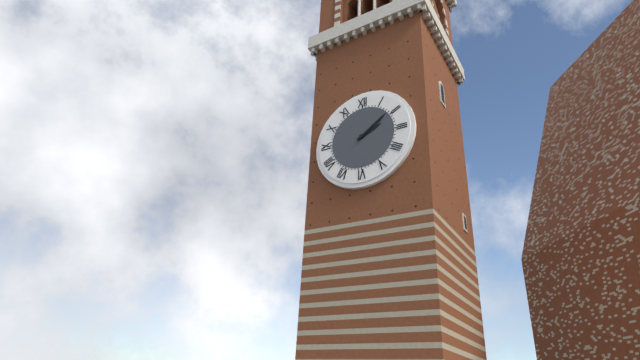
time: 2:09
